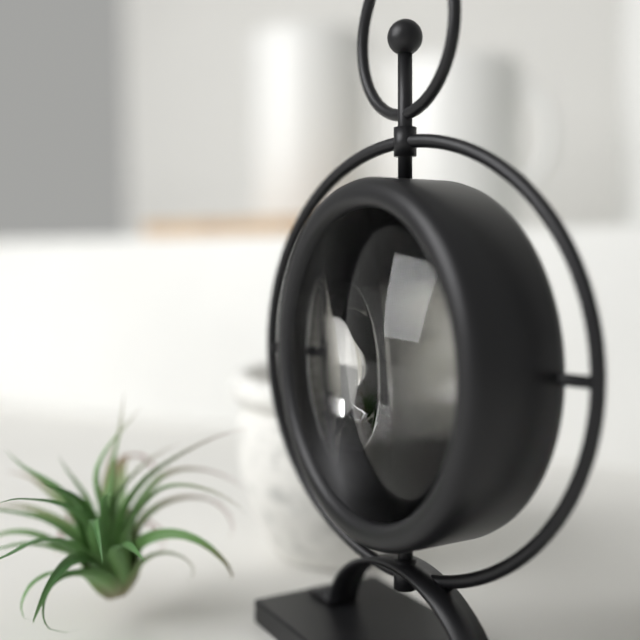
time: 7:37
